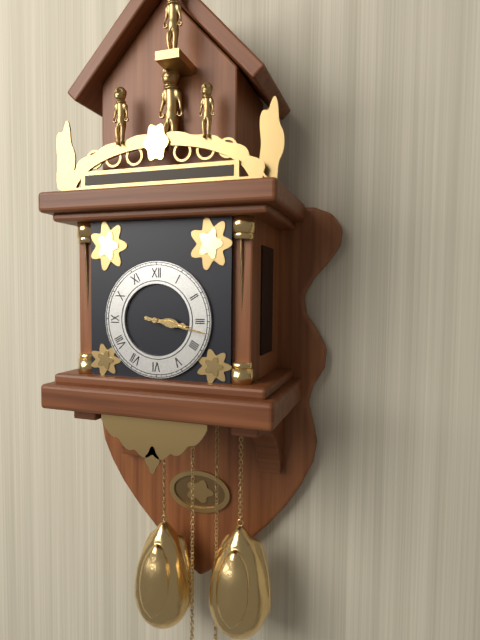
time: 3:17
